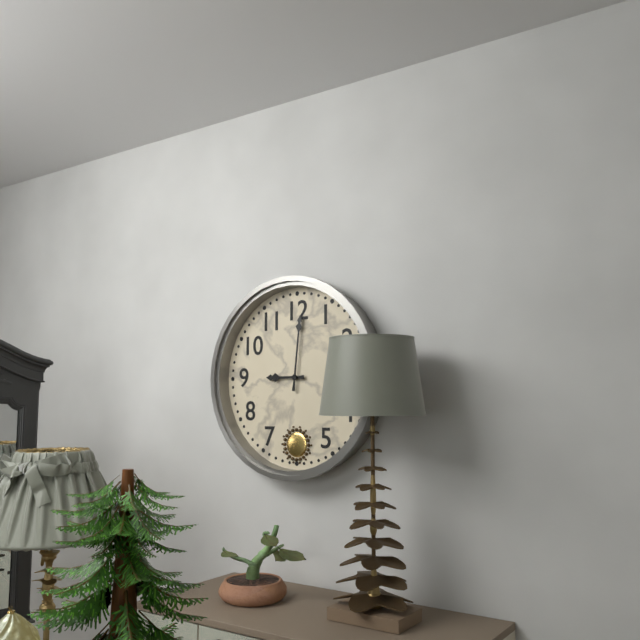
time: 9:01
